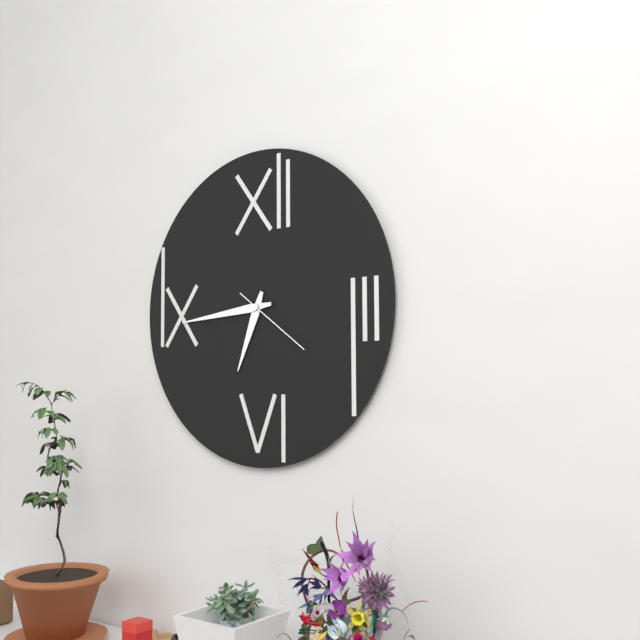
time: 6:44:21
